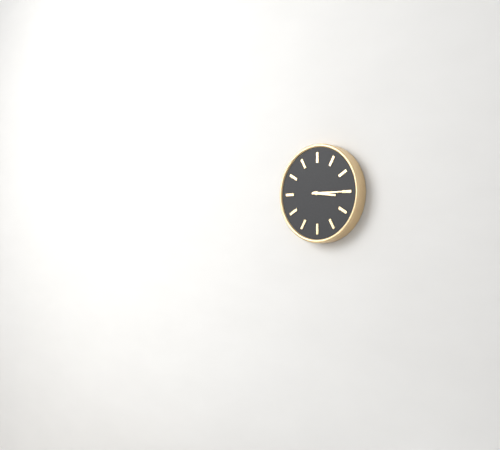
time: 3:15
